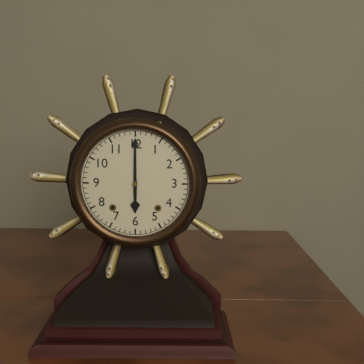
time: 6:00
